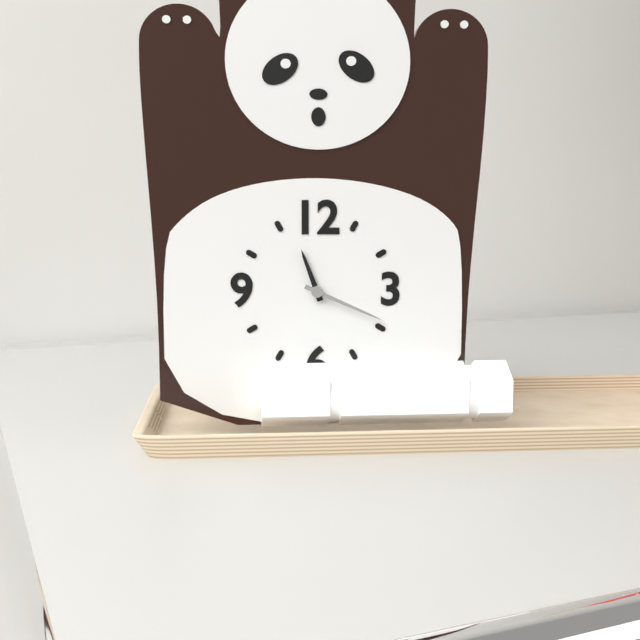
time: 11:19
